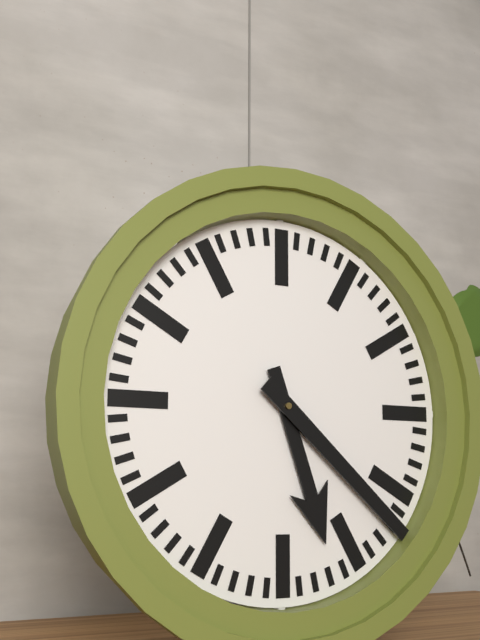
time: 5:22
